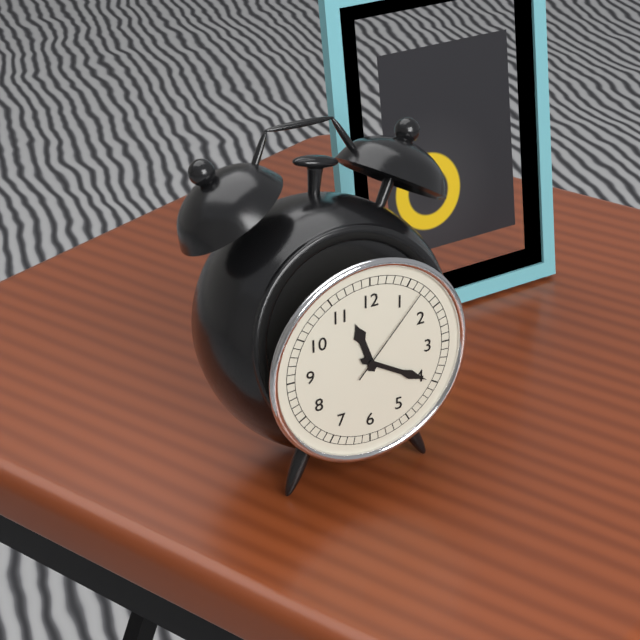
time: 11:20:07
